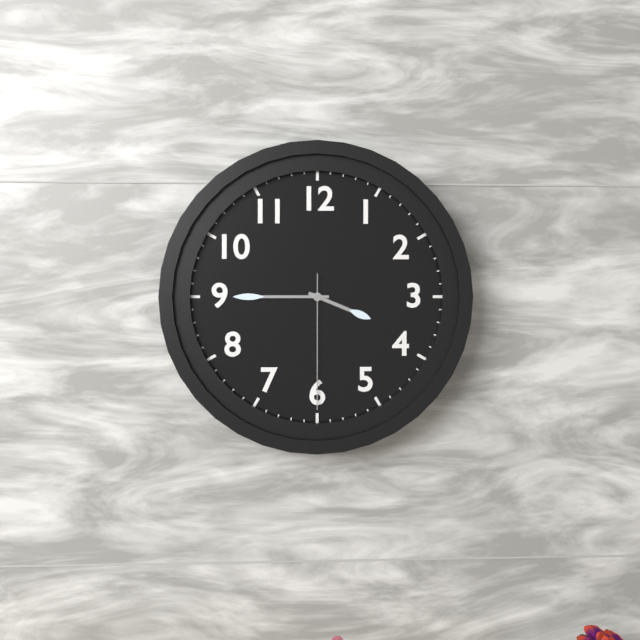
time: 3:45:30
